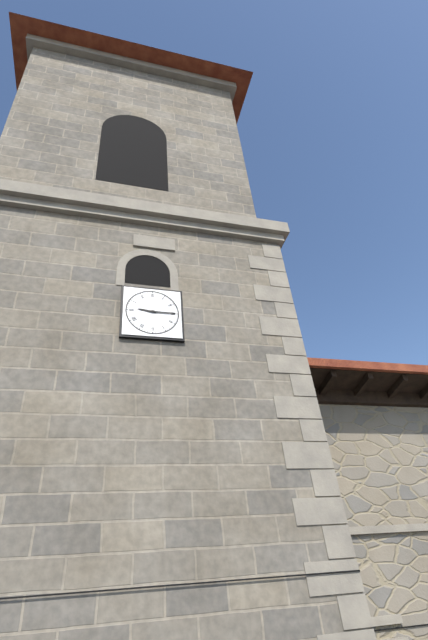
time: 9:15
